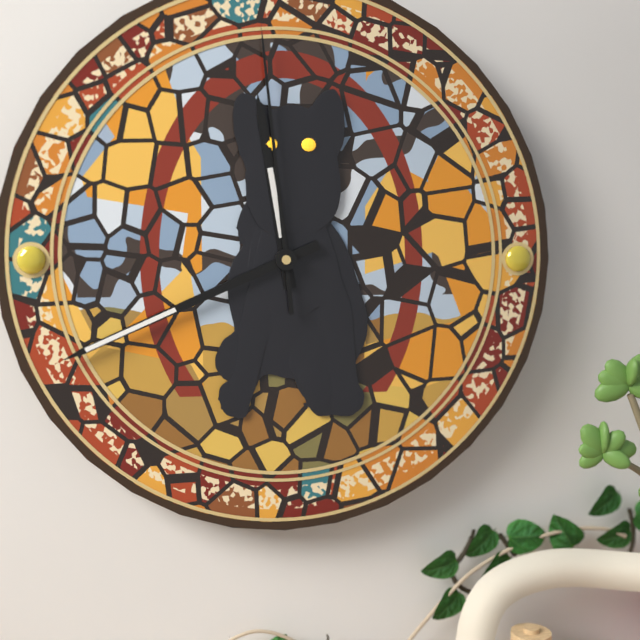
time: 11:41:59
